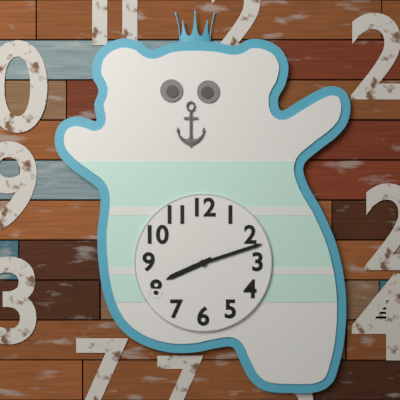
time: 8:12
